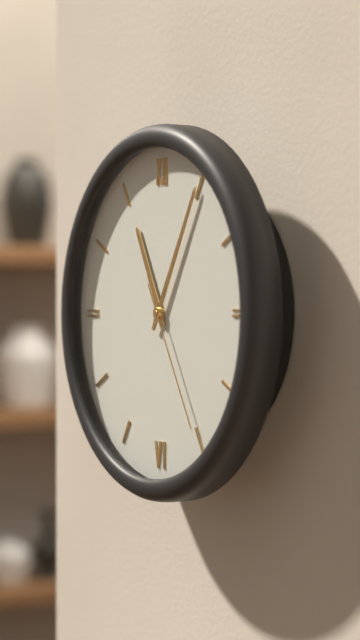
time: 11:05:25
